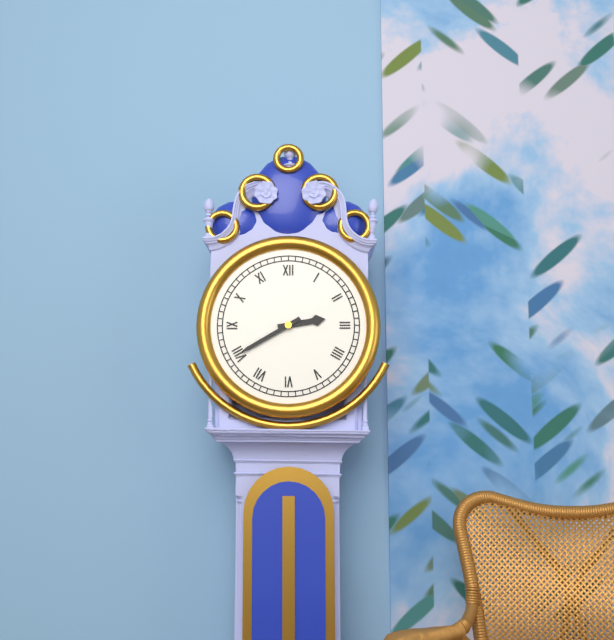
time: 2:40
